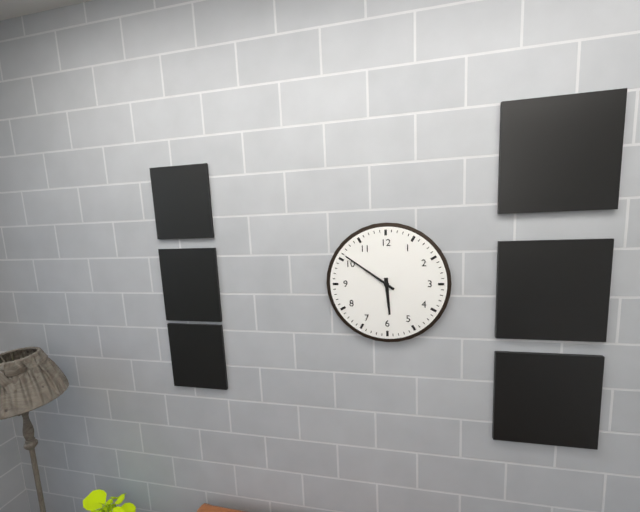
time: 5:51
